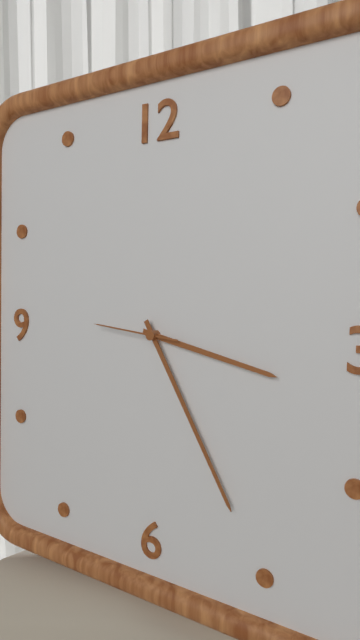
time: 3:25:46
